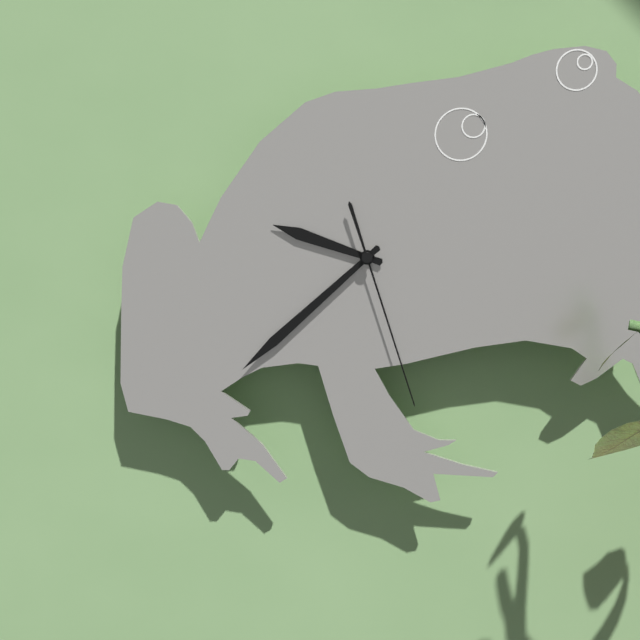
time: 9:38:27
